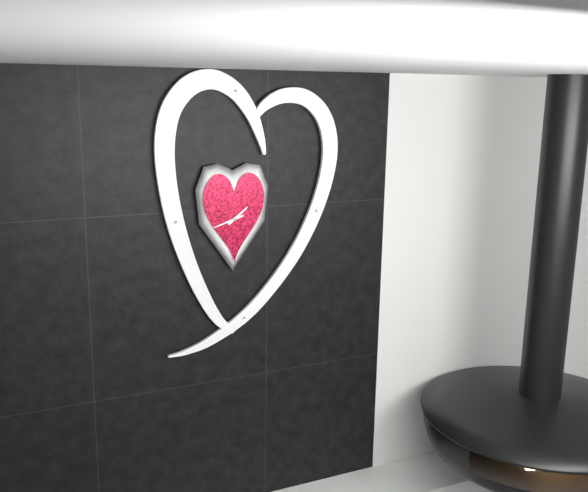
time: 1:42
